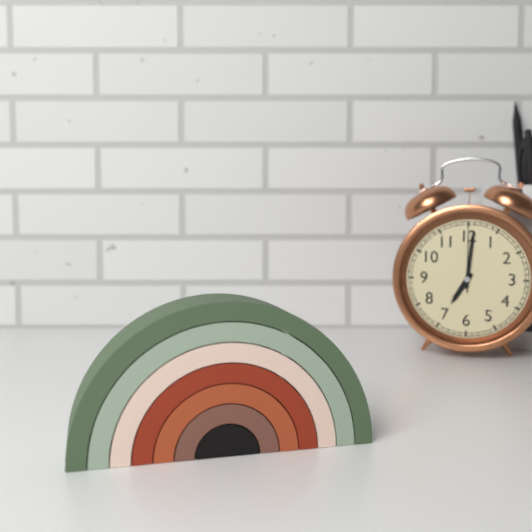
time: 7:01:00
